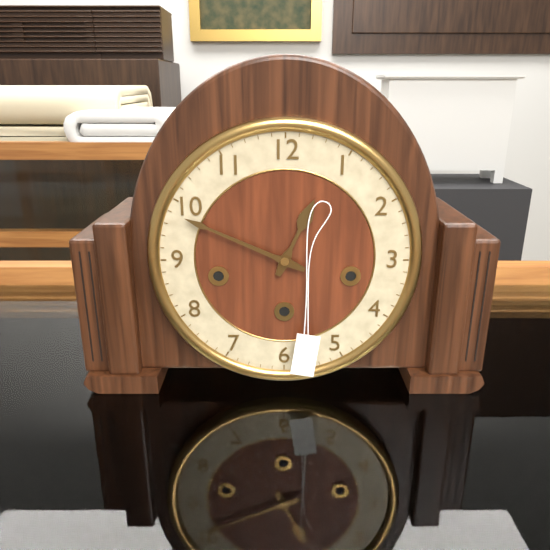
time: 12:49
